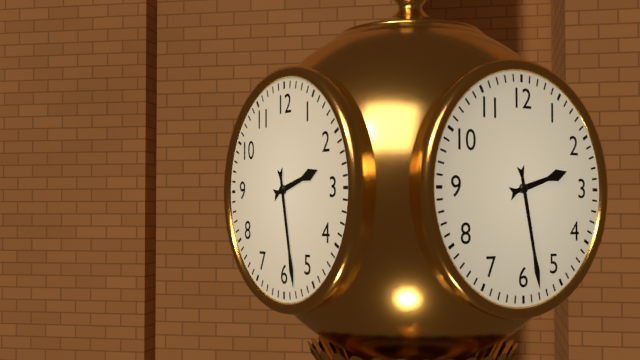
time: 2:28
